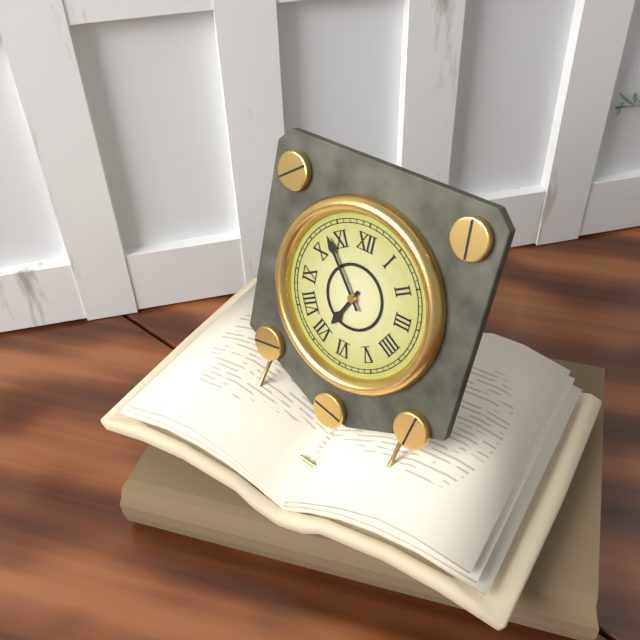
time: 6:53
